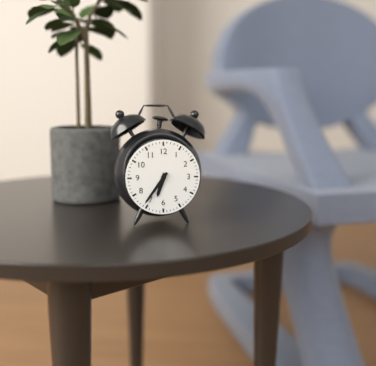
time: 6:36
